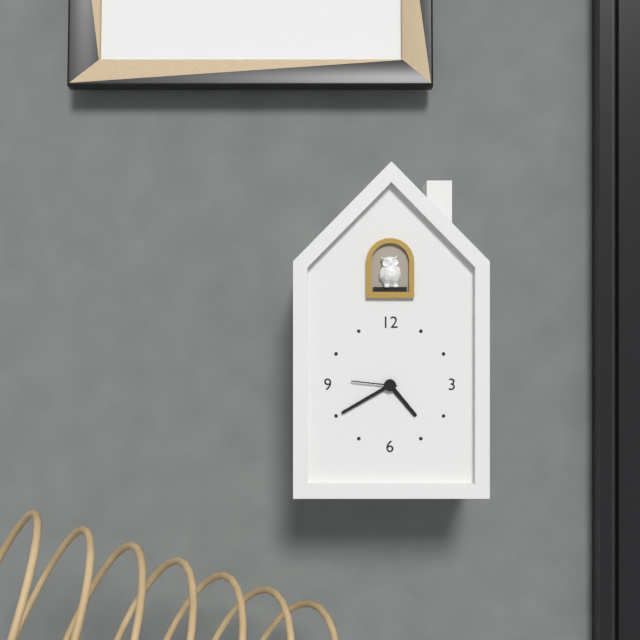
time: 4:40
